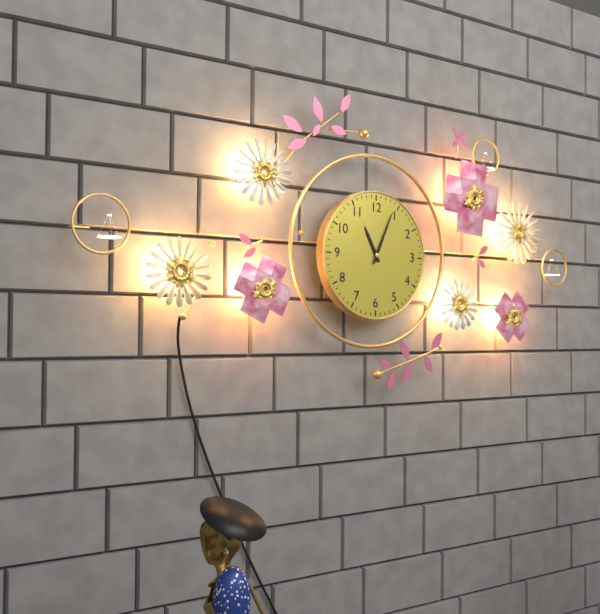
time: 11:04
